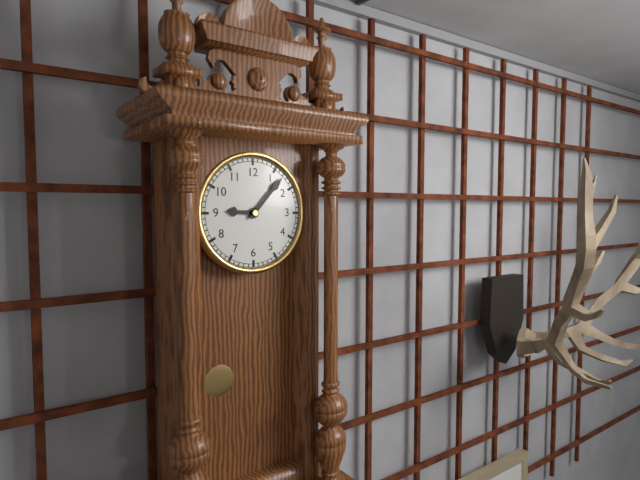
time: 9:07
